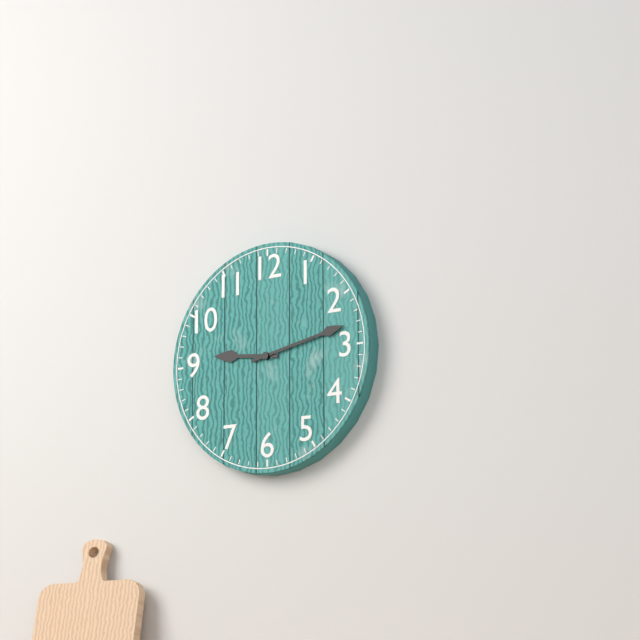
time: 9:13
